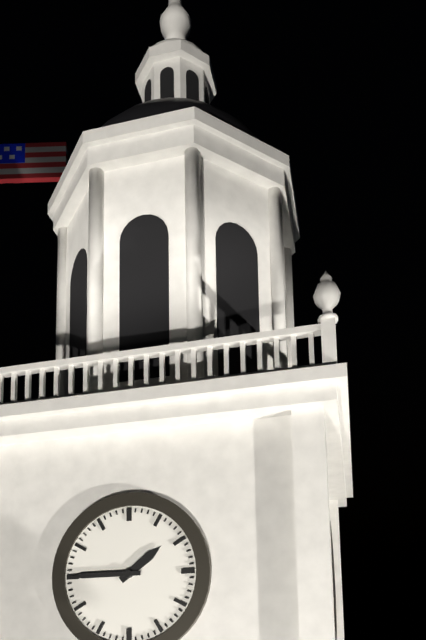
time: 1:45
